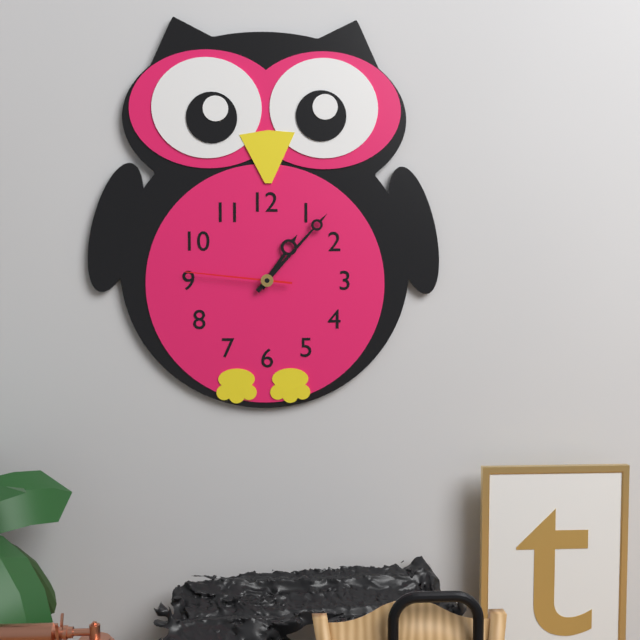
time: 1:07:46
